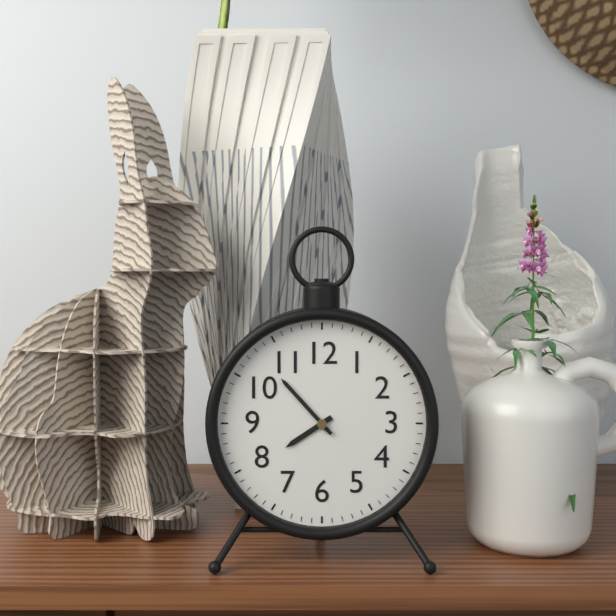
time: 7:53
